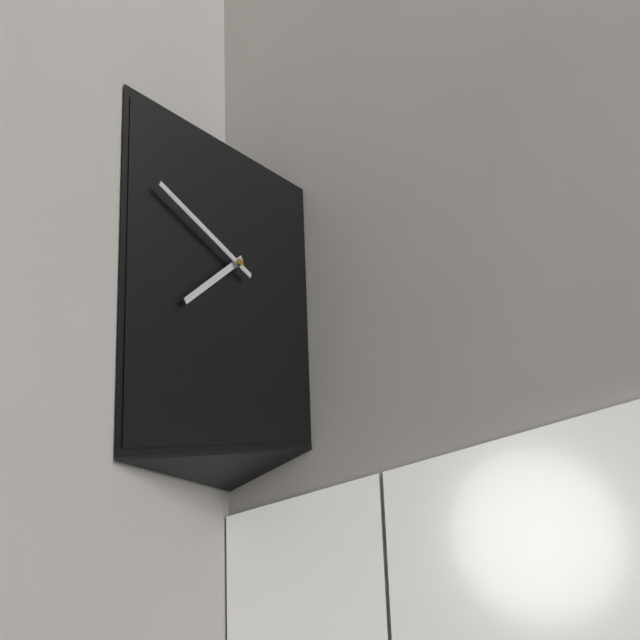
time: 7:49
